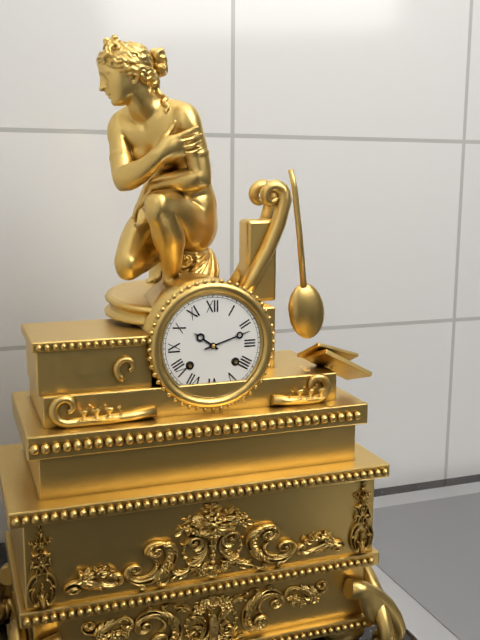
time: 10:12
